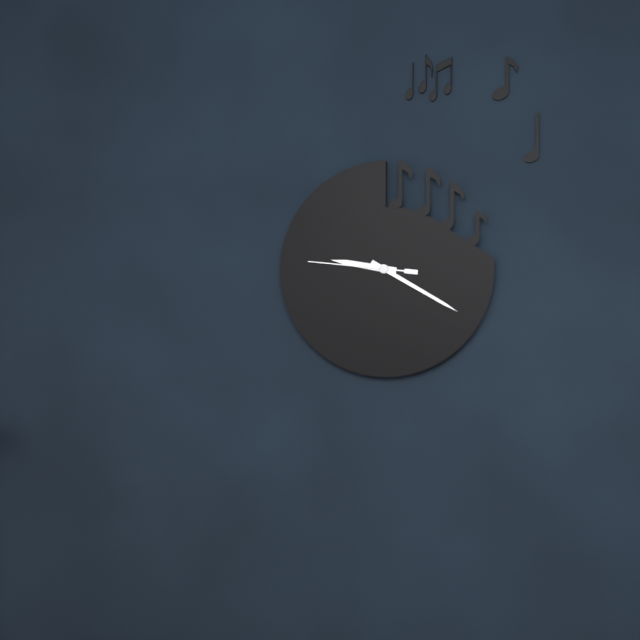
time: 9:20:46
